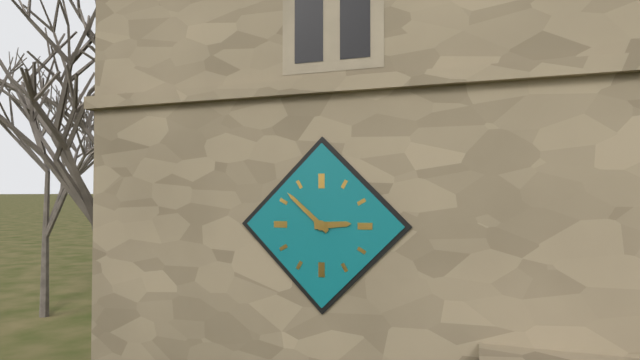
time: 2:52
